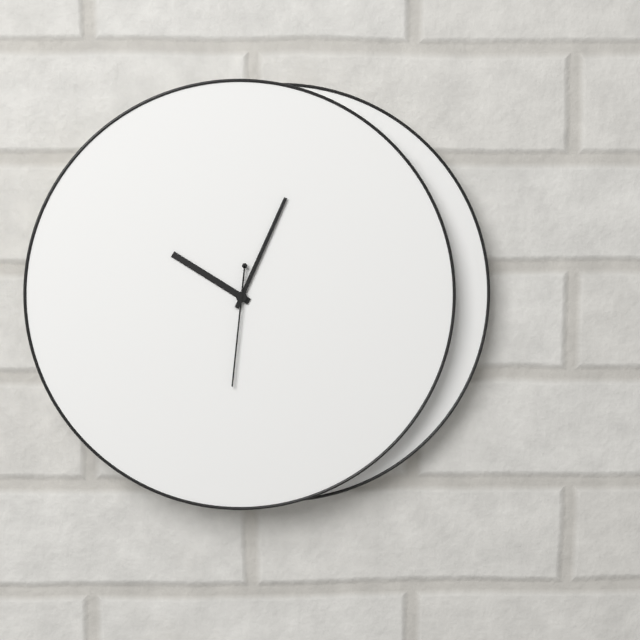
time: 10:04:31
